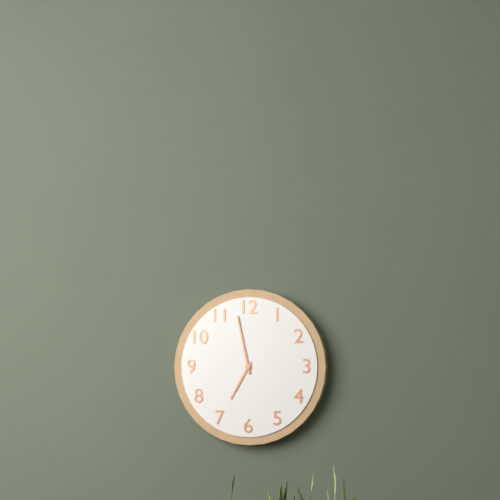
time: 6:58
